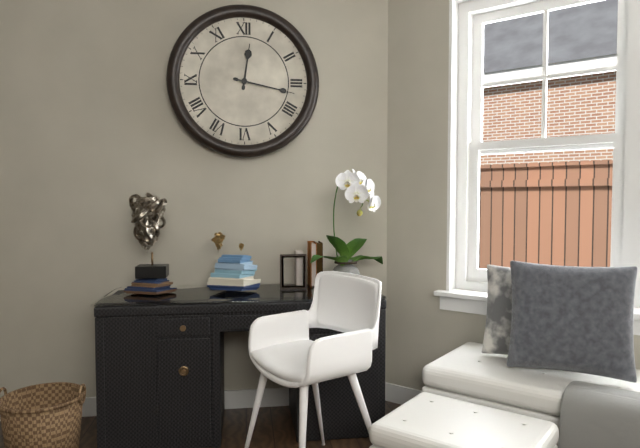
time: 12:17
